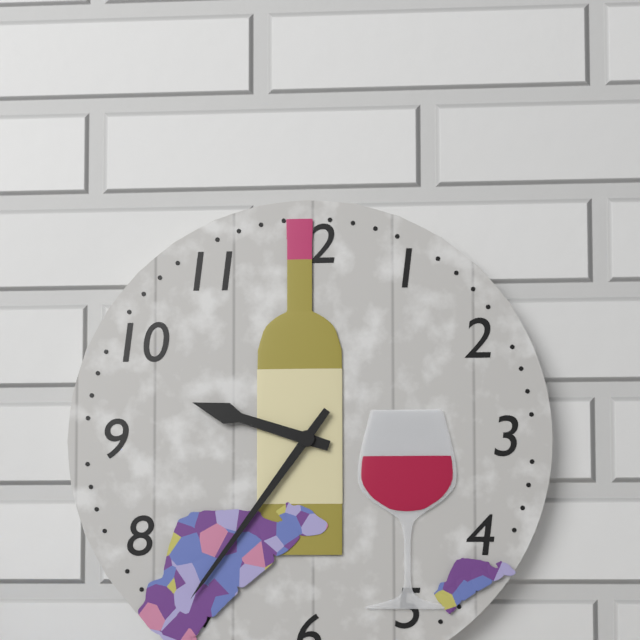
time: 9:36
